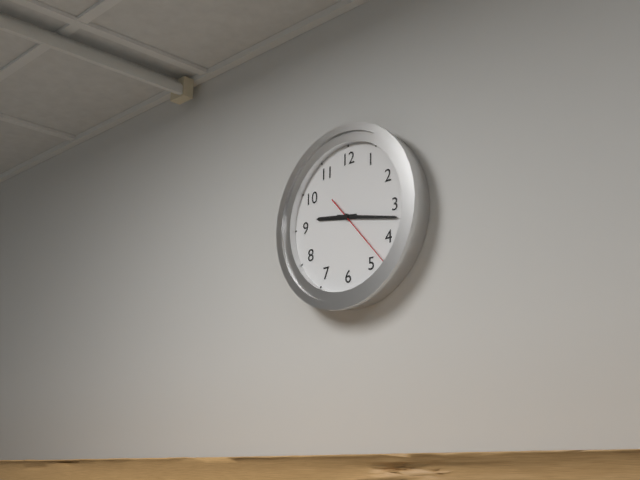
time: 9:17:23
